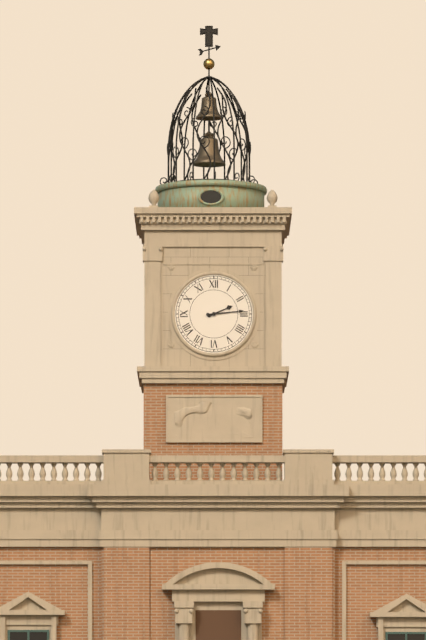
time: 2:14
